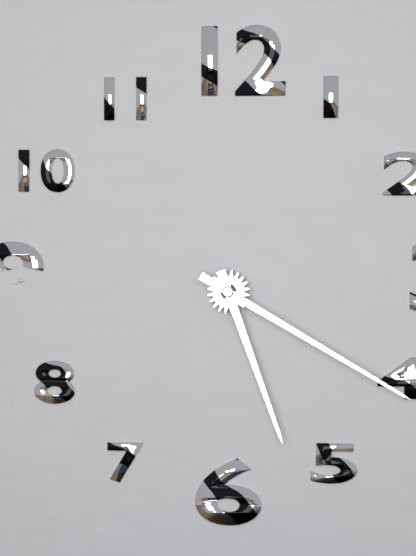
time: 5:20
